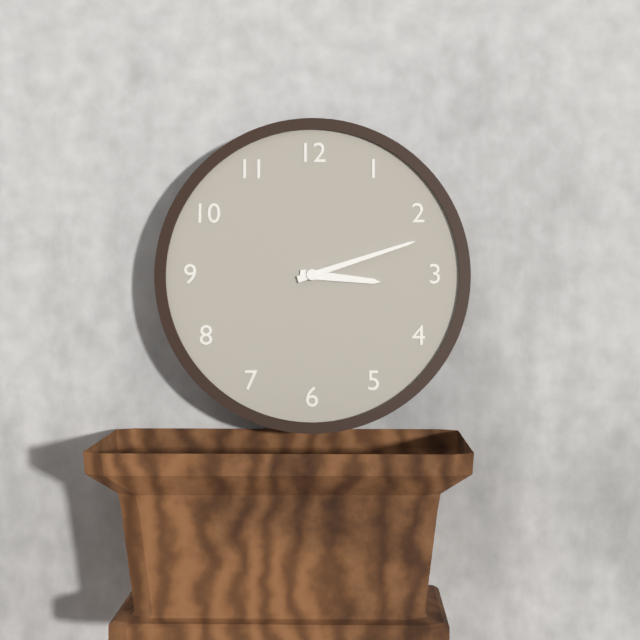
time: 3:12
